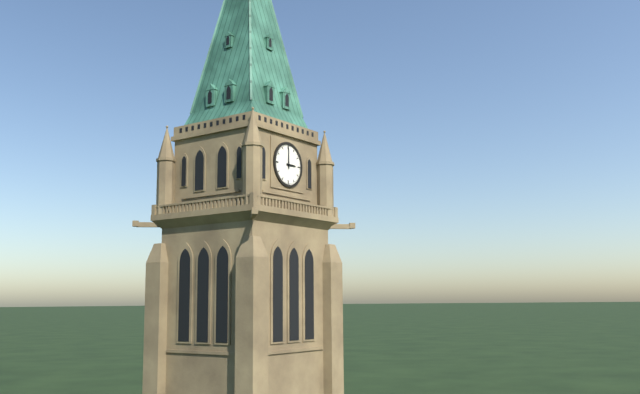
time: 3:00
